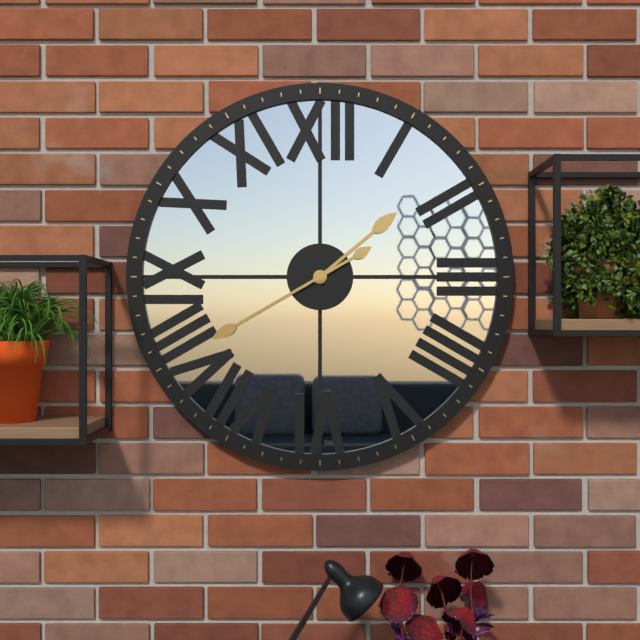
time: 1:40
